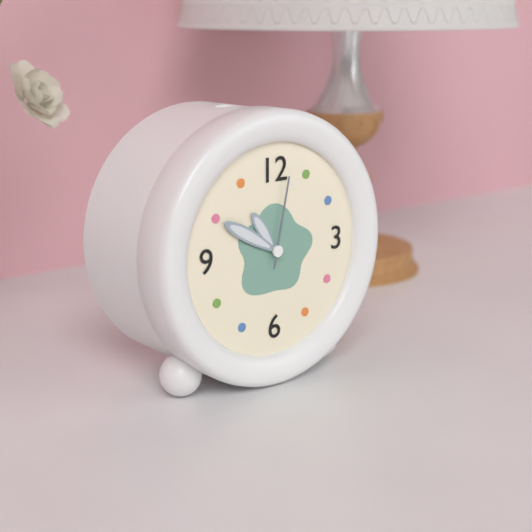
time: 10:50:02
